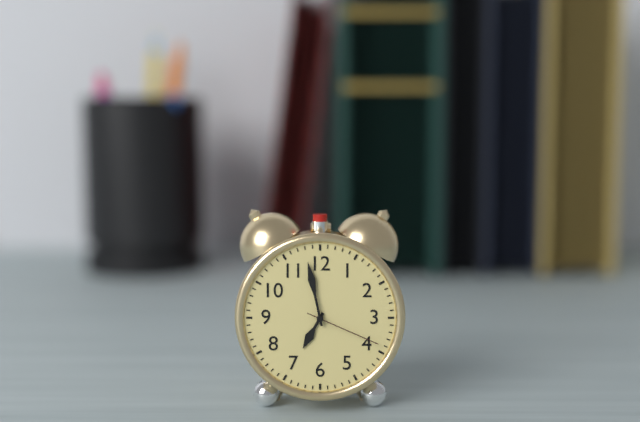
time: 6:58:19
